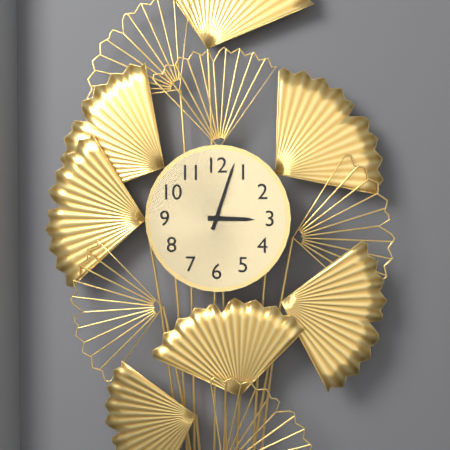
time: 3:03
